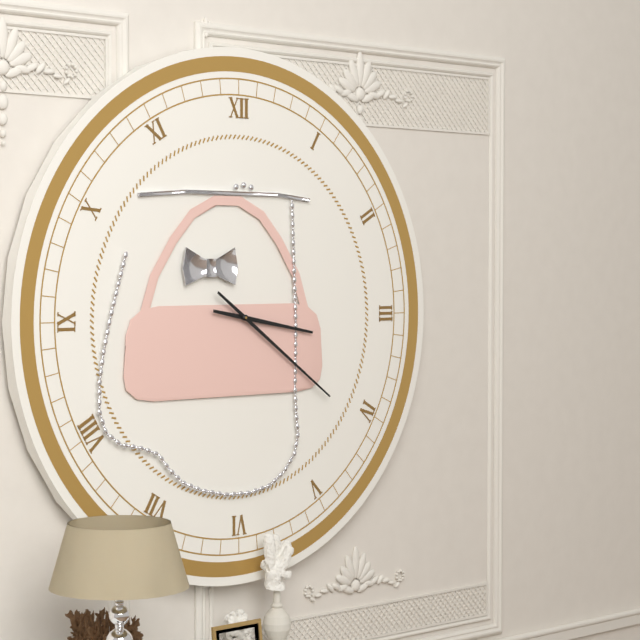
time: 3:21
